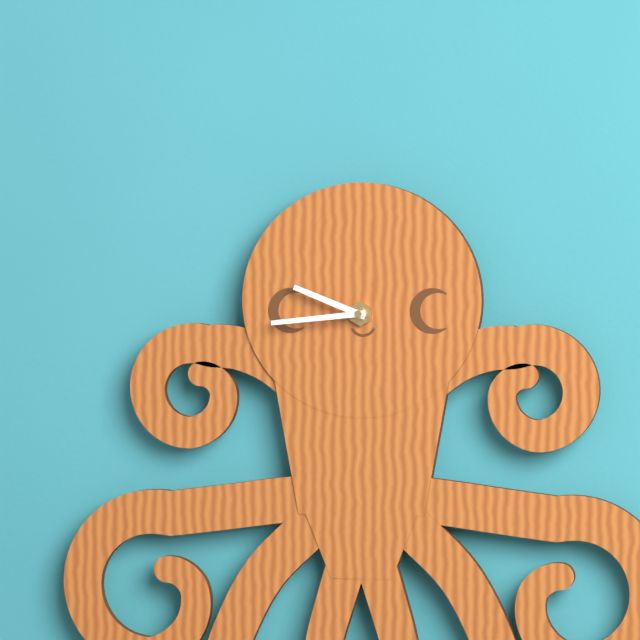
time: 9:44
